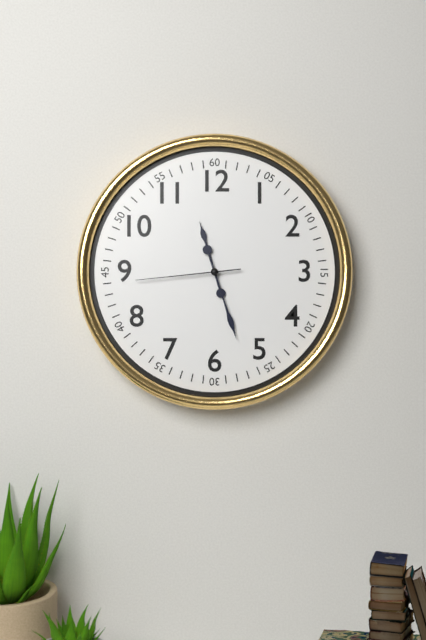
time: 11:27:44
